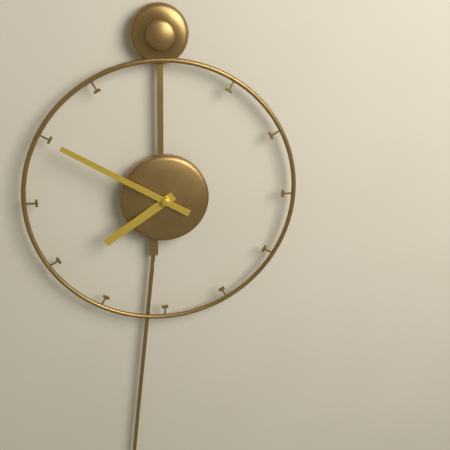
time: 7:50
